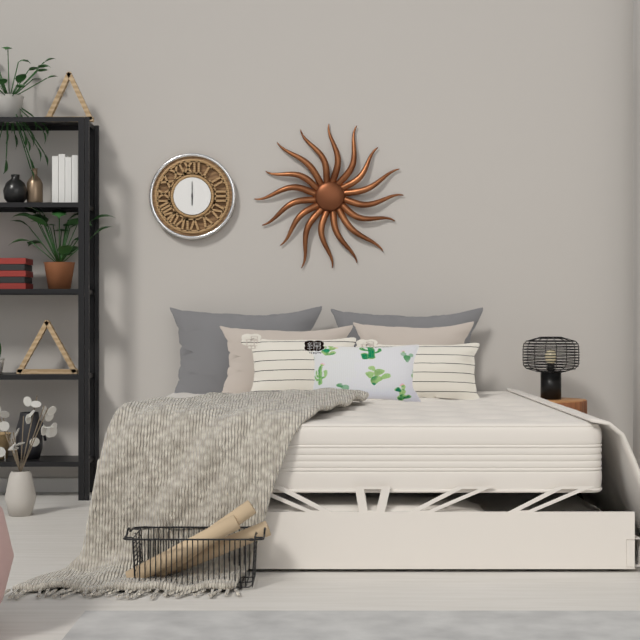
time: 6:00
